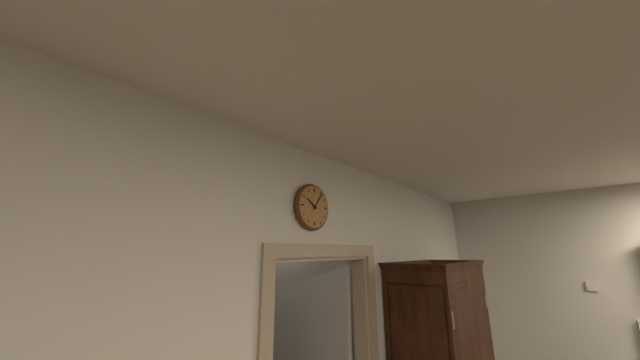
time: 10:06
